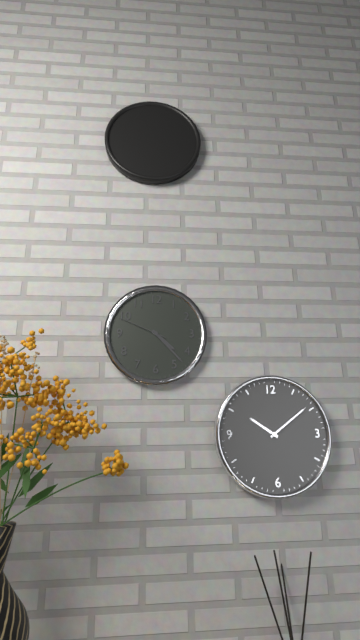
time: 4:23:49
